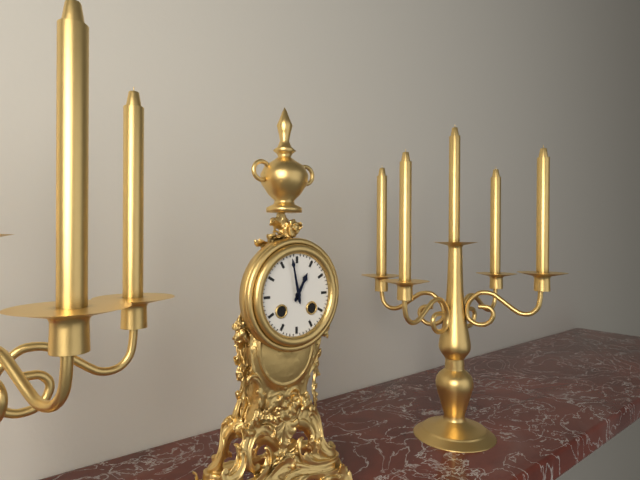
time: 12:58
